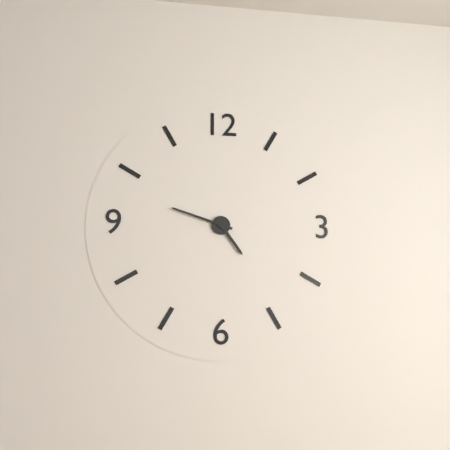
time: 4:48
